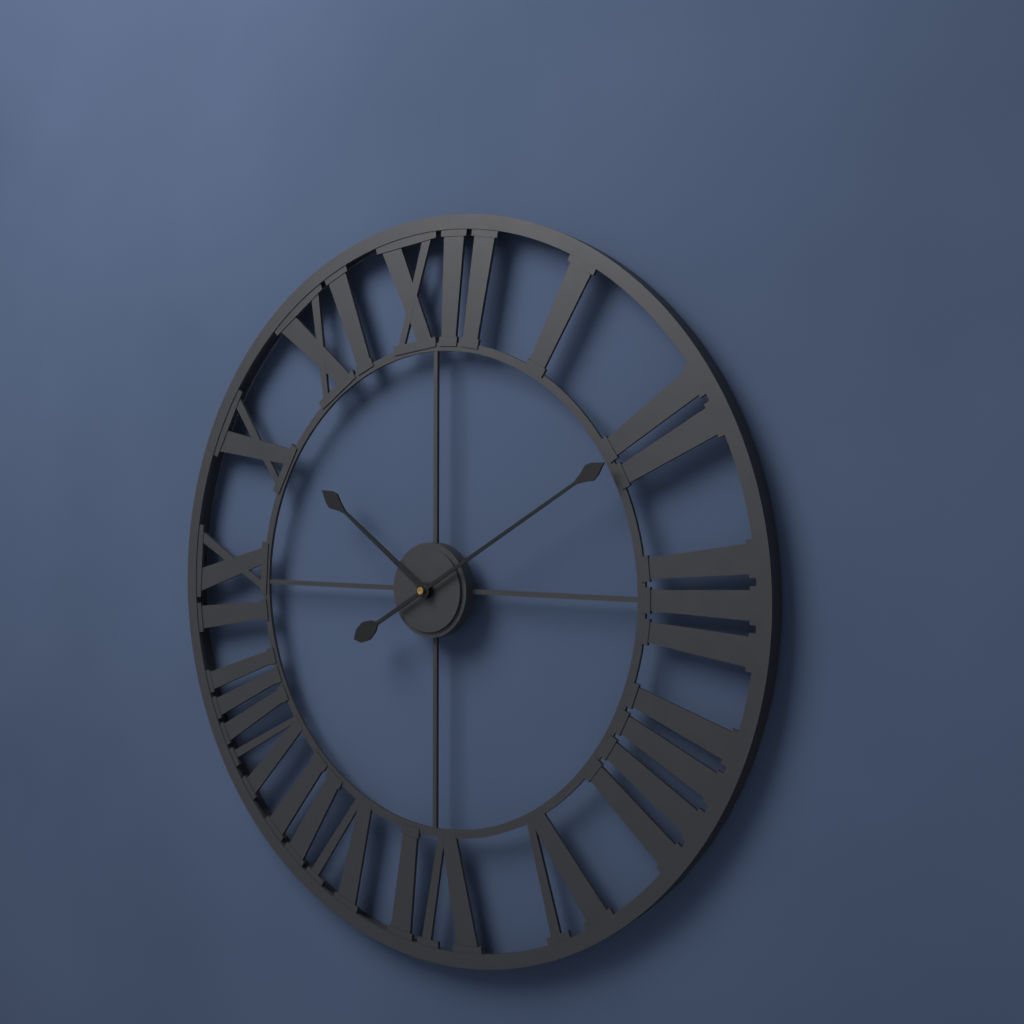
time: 10:10
